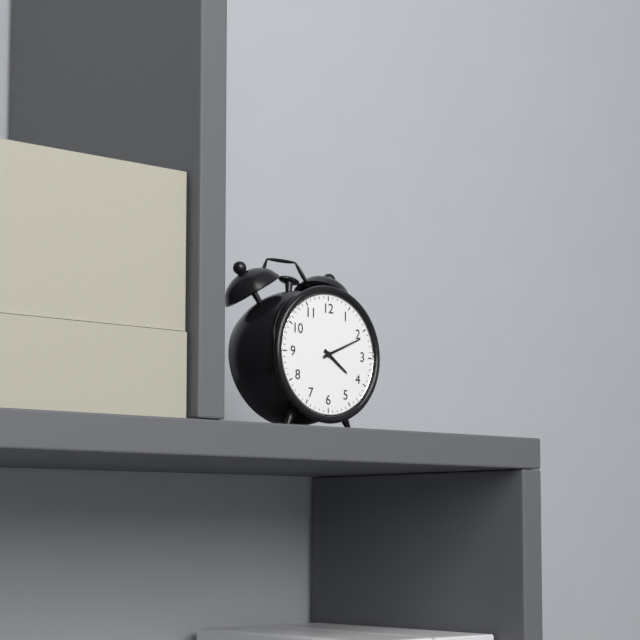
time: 4:11
